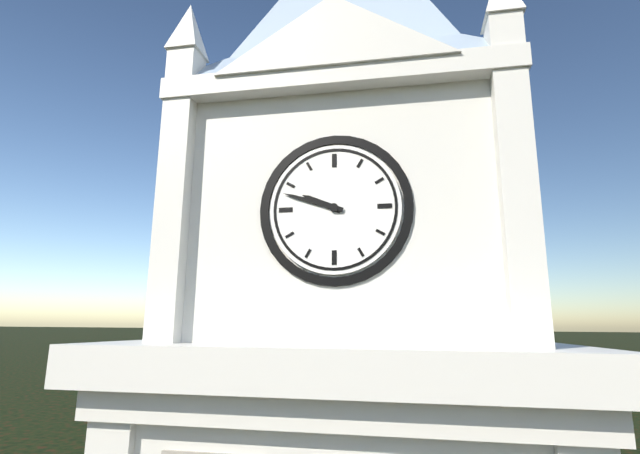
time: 9:48
